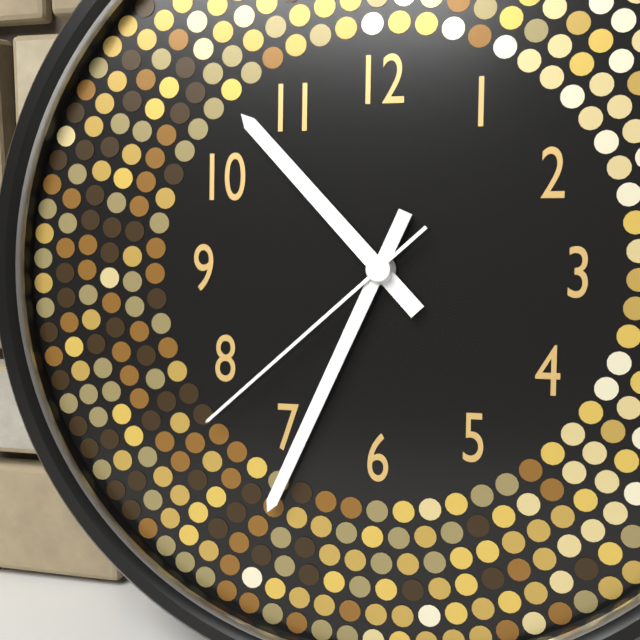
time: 10:34:38
